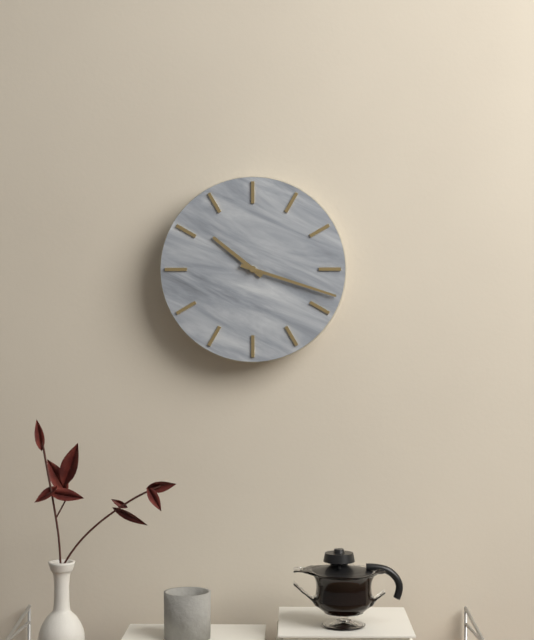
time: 10:18
